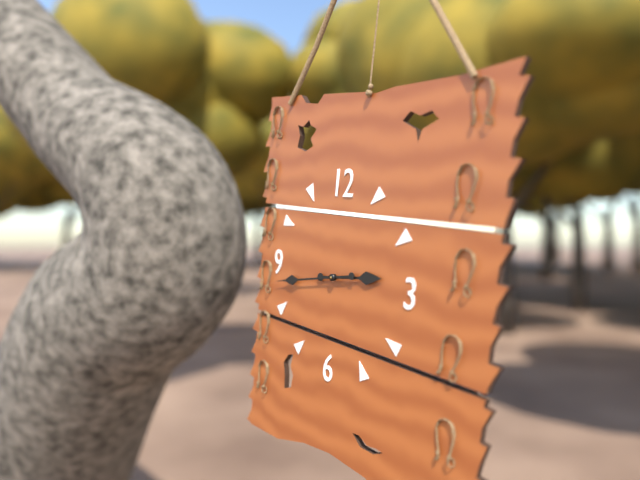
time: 2:43
